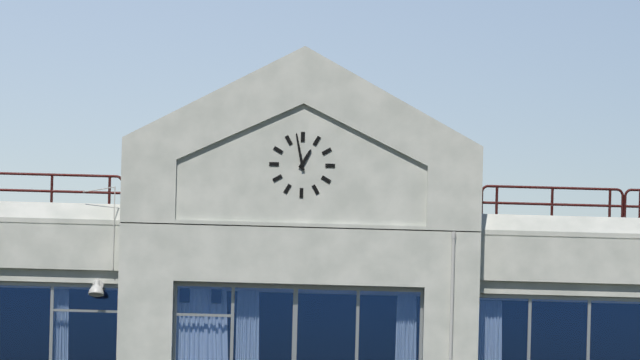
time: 12:58
